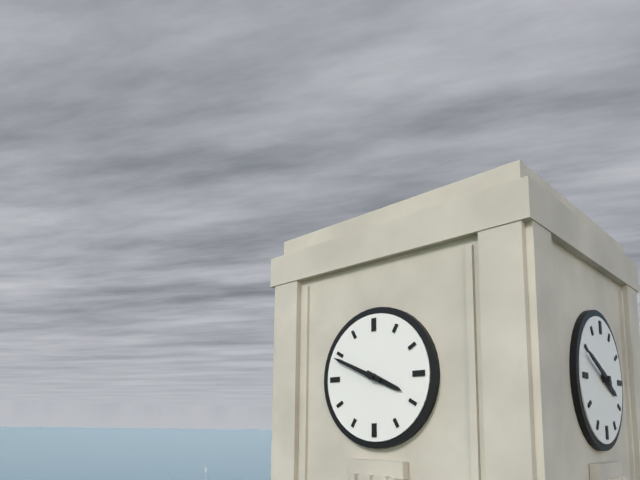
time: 3:49
